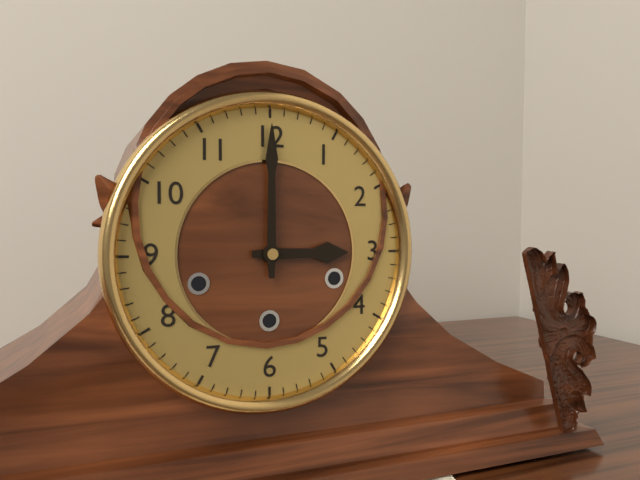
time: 3:00
